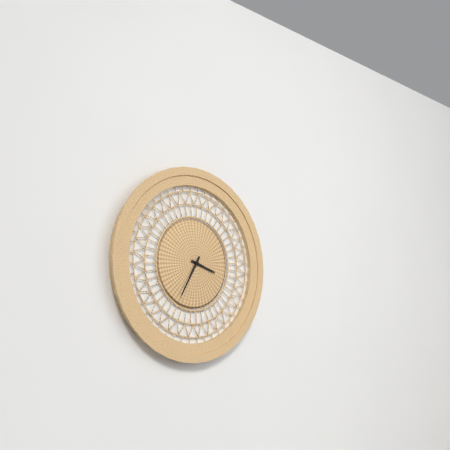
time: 3:35
